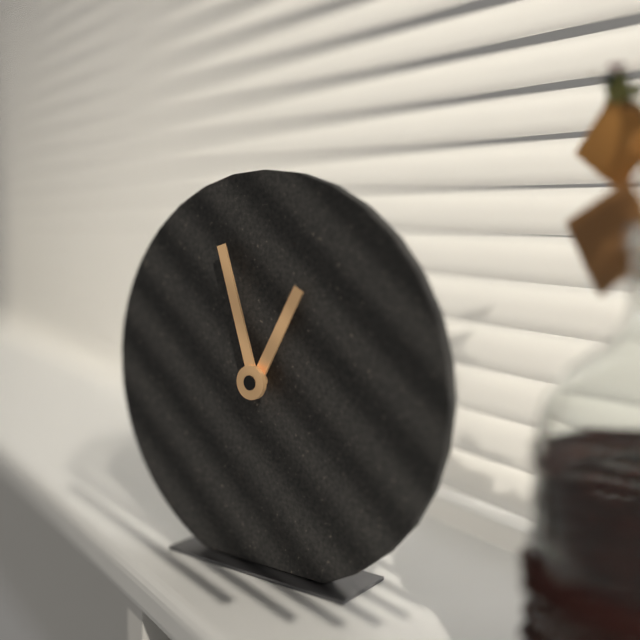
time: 12:57
